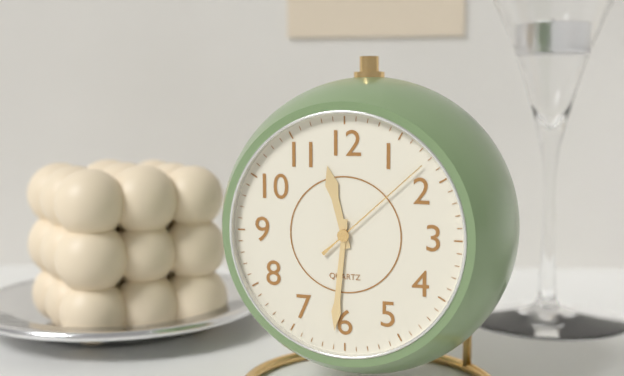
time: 11:31:08
